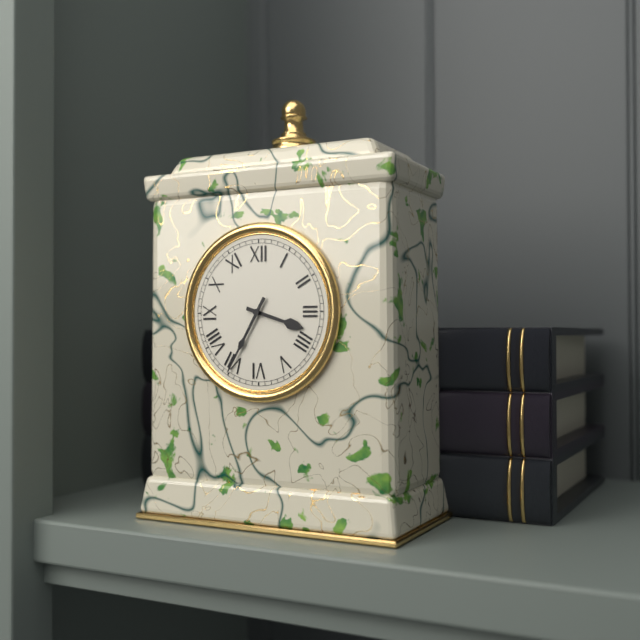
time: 3:35
